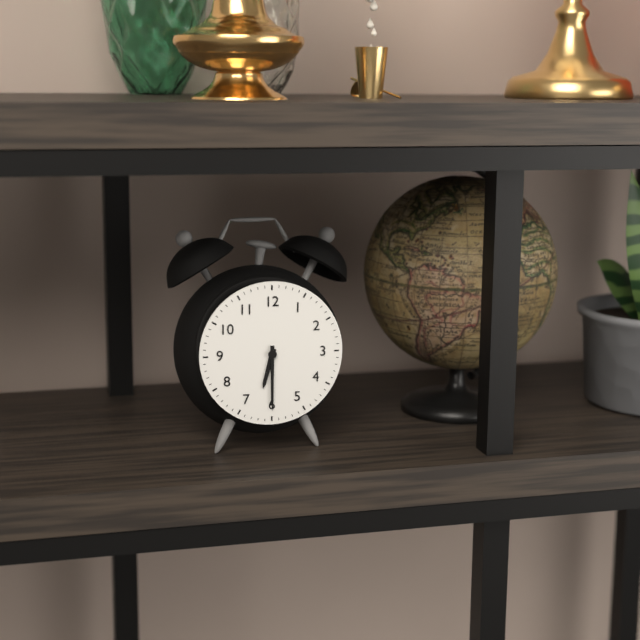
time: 6:30
